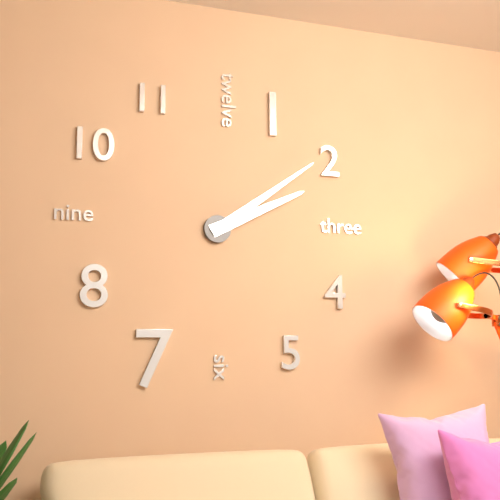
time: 2:09
